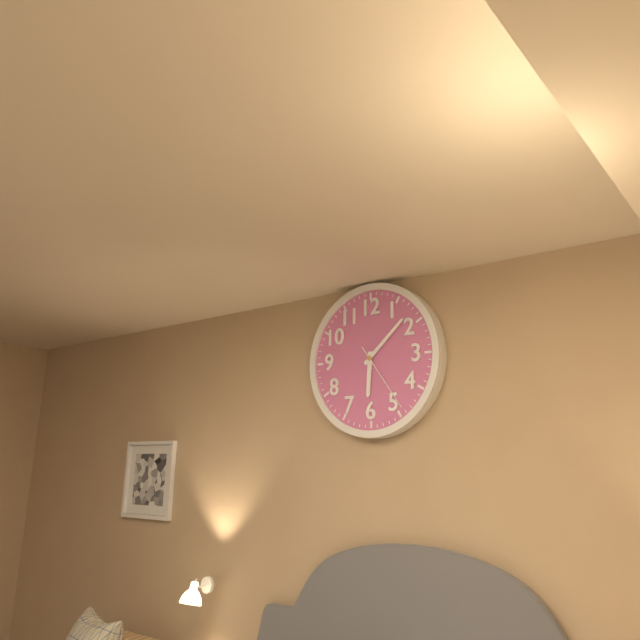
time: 6:08:24
